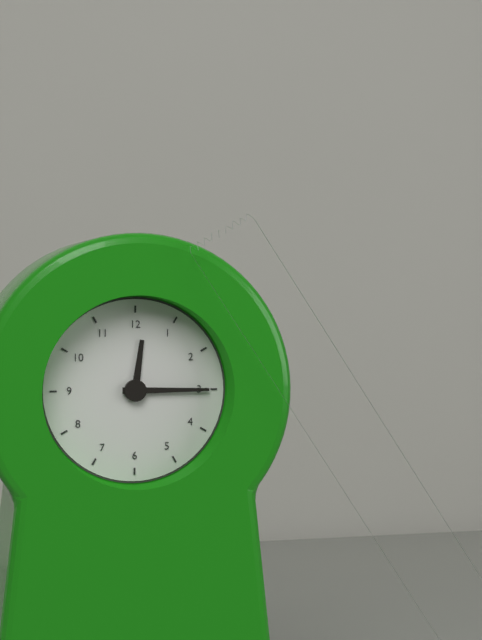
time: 12:15
